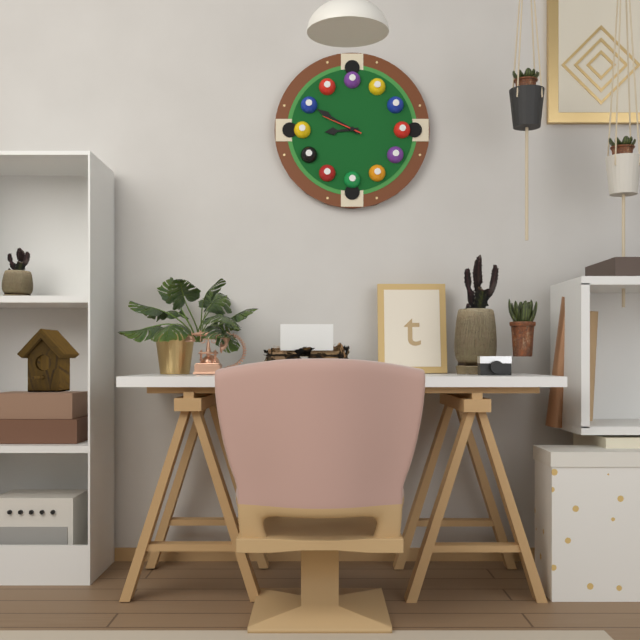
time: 8:50
